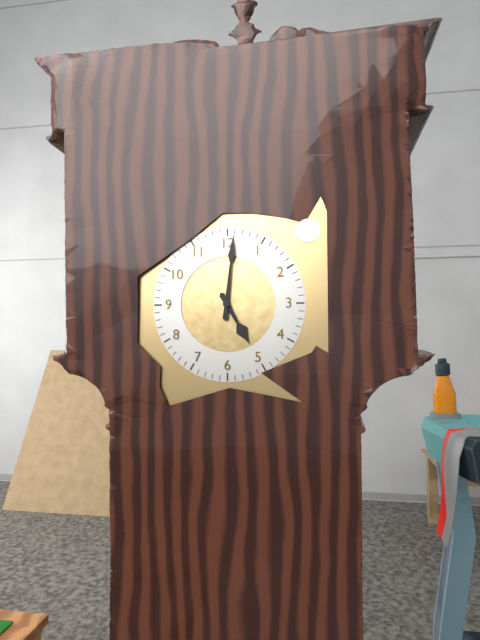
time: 5:01
